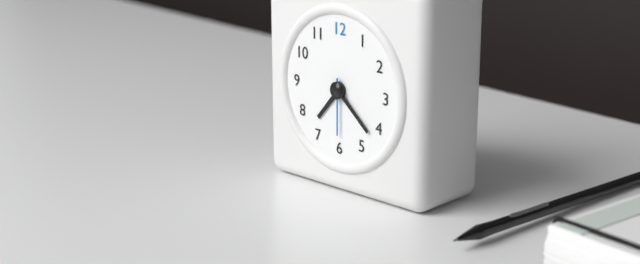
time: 7:22:30
